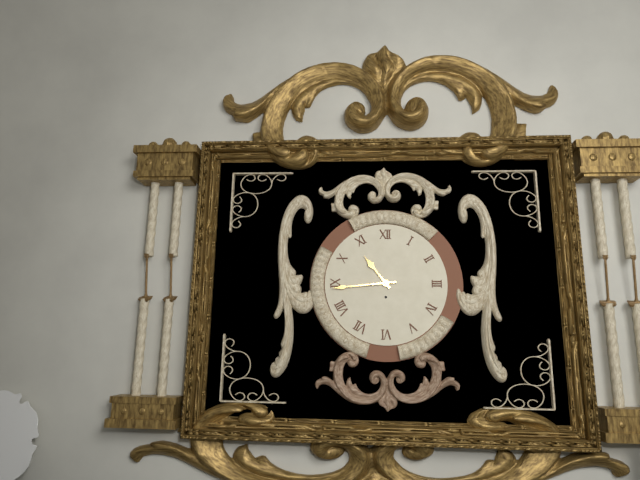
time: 10:44
